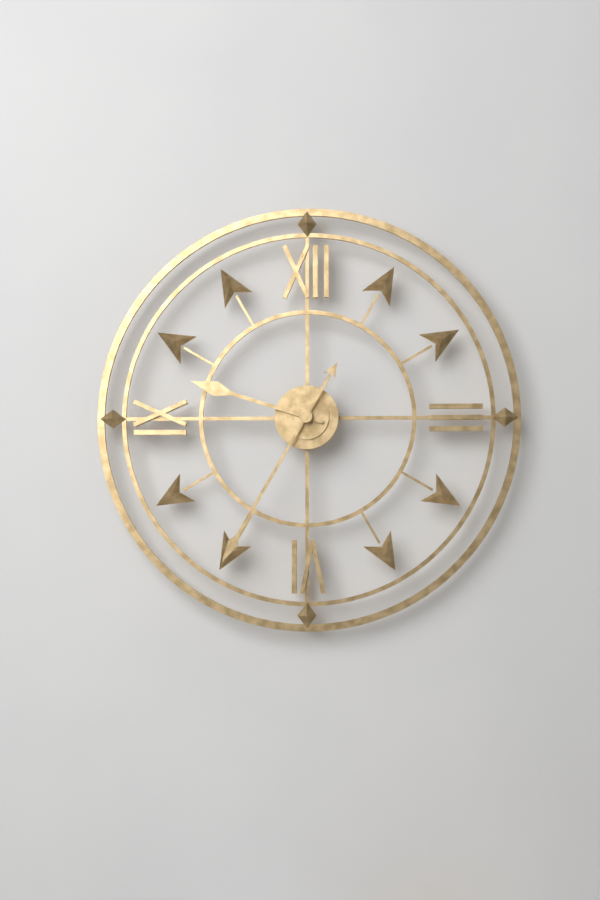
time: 9:35
